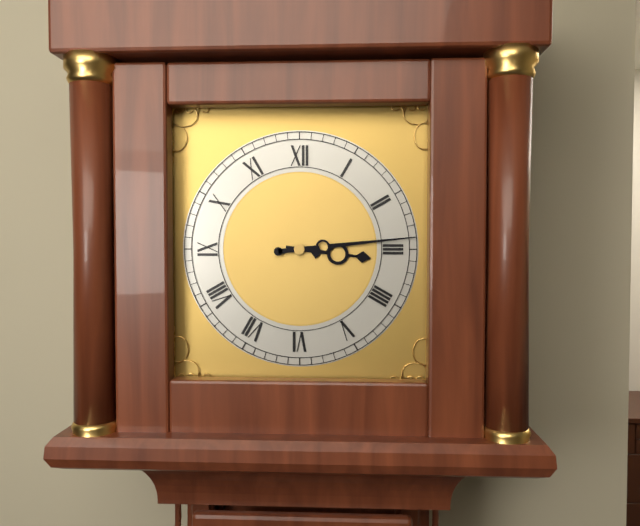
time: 3:14
